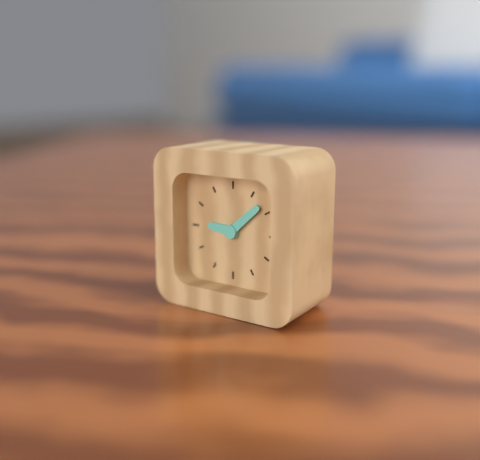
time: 9:08
